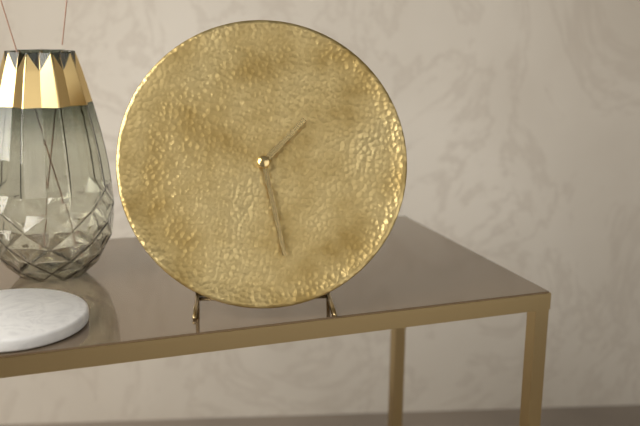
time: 1:28
